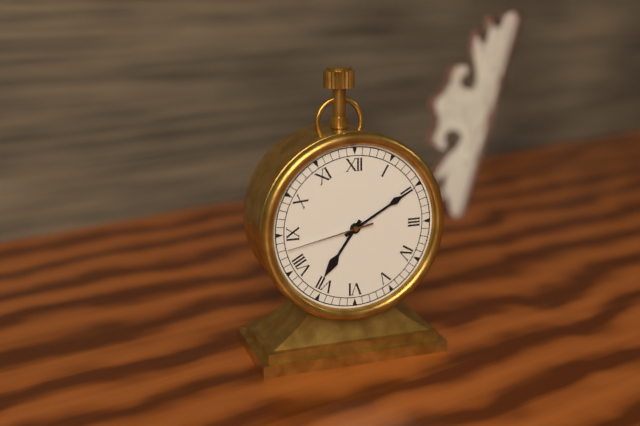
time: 7:10:43
